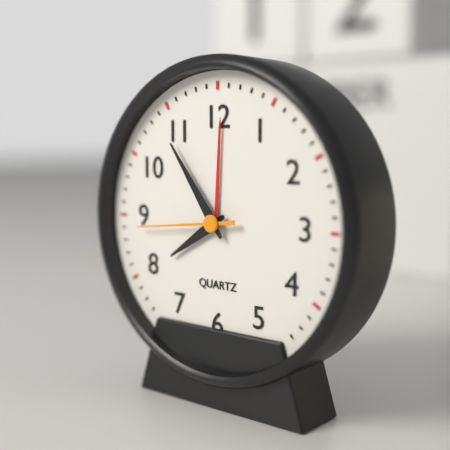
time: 7:54:44
